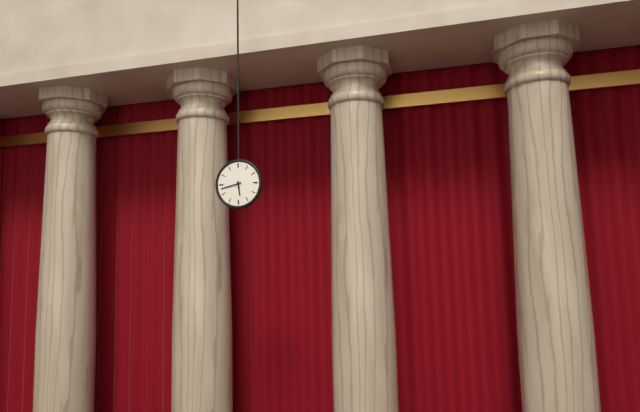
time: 5:43
